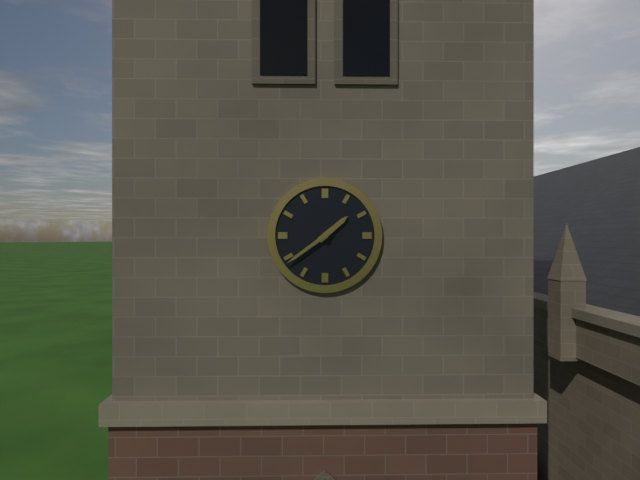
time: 1:39
